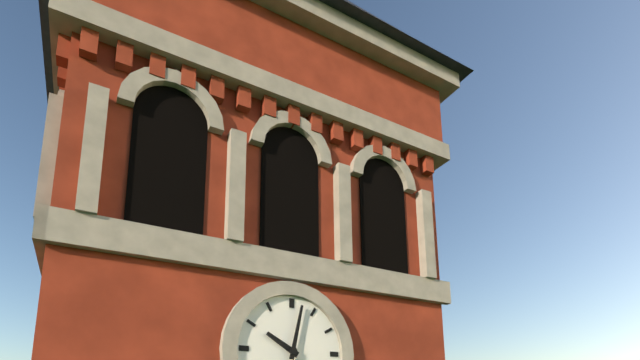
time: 10:02
